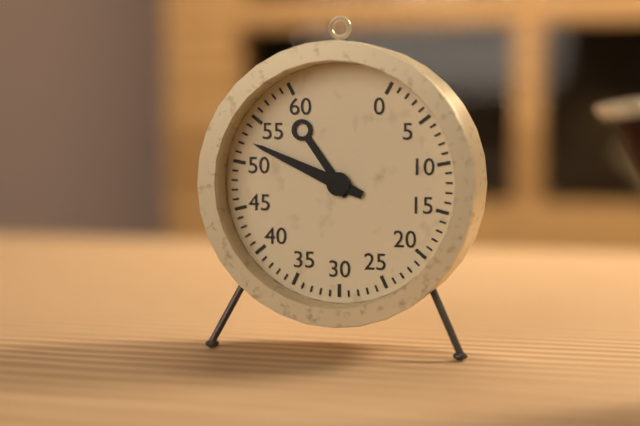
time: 10:49
